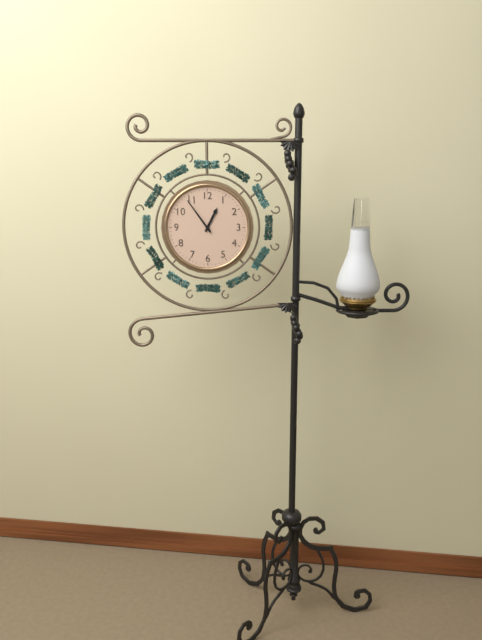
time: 12:54
